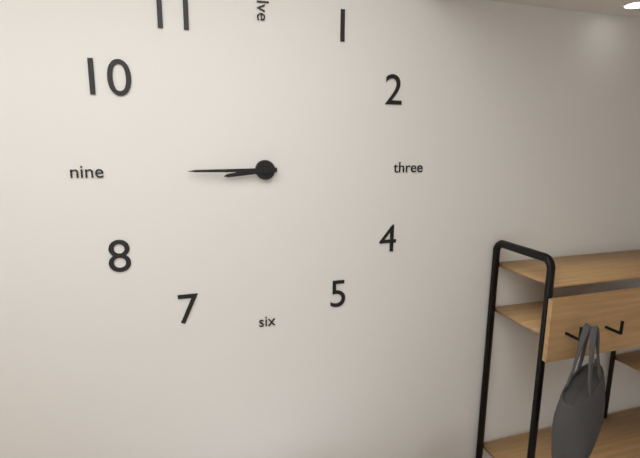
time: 8:45
